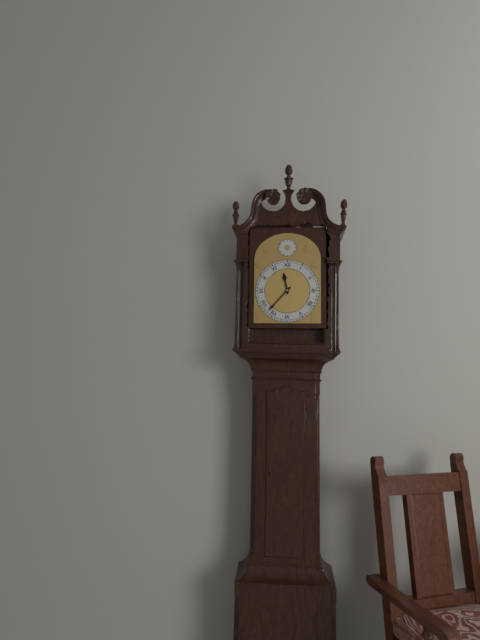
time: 11:37
